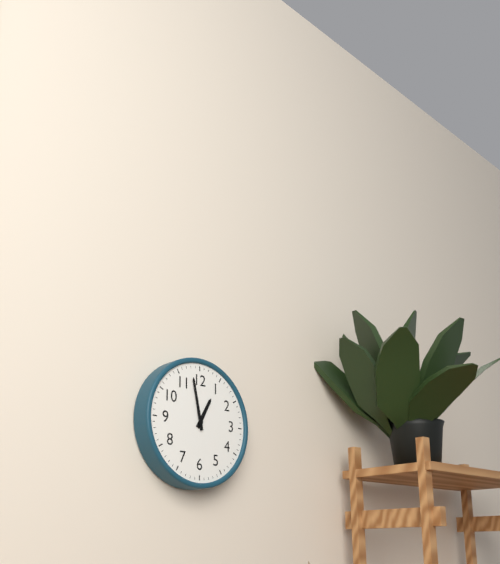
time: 12:58
